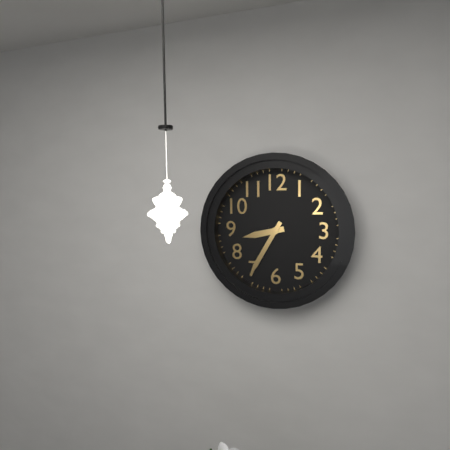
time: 8:35
